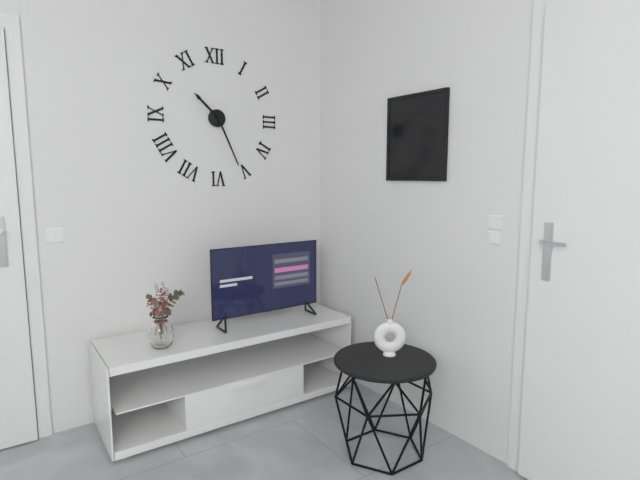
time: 10:26
